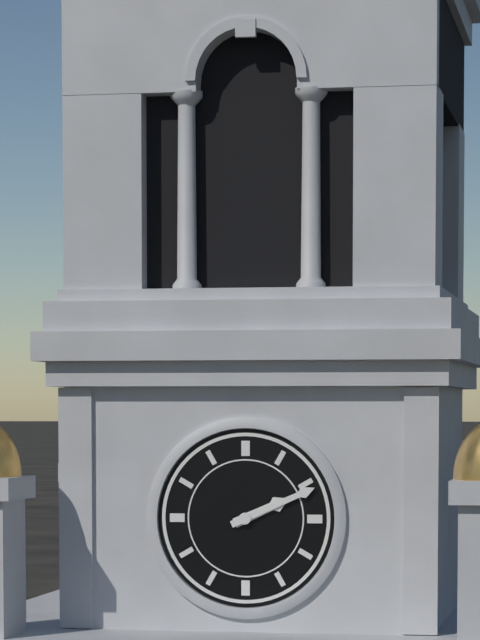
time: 2:11
